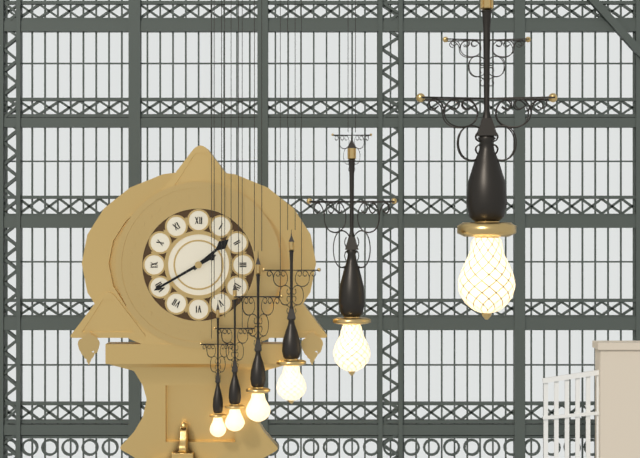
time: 1:40
